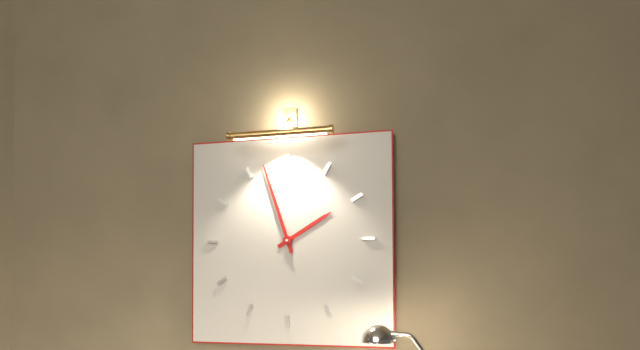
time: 1:57
